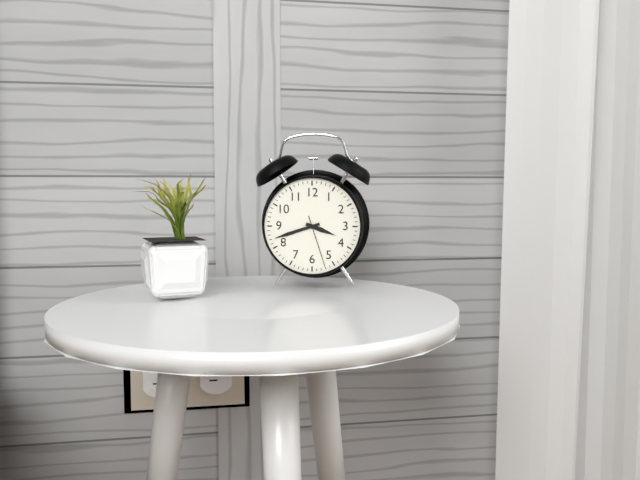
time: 3:42:27
